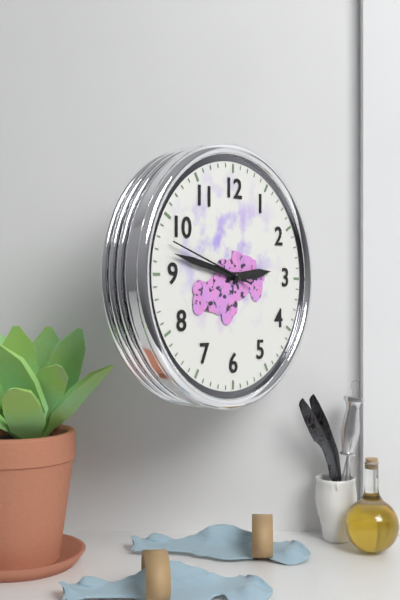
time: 2:47:48
